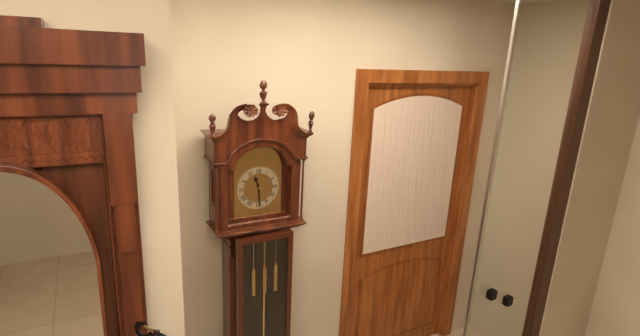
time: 11:29
